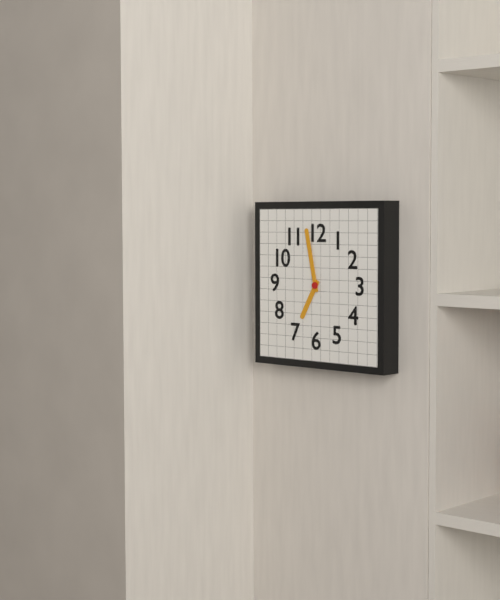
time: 6:58
